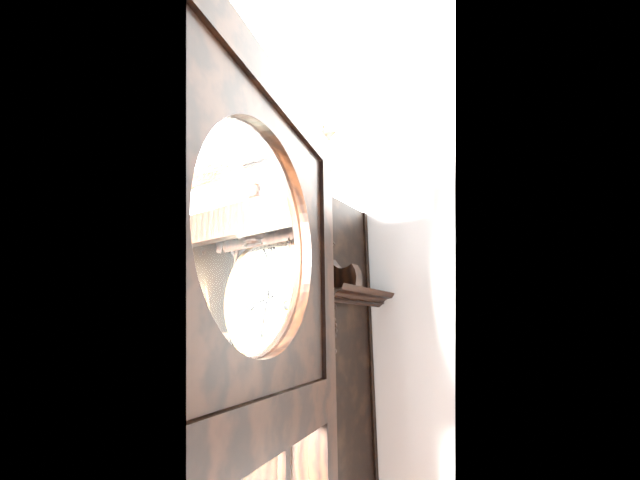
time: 8:32
